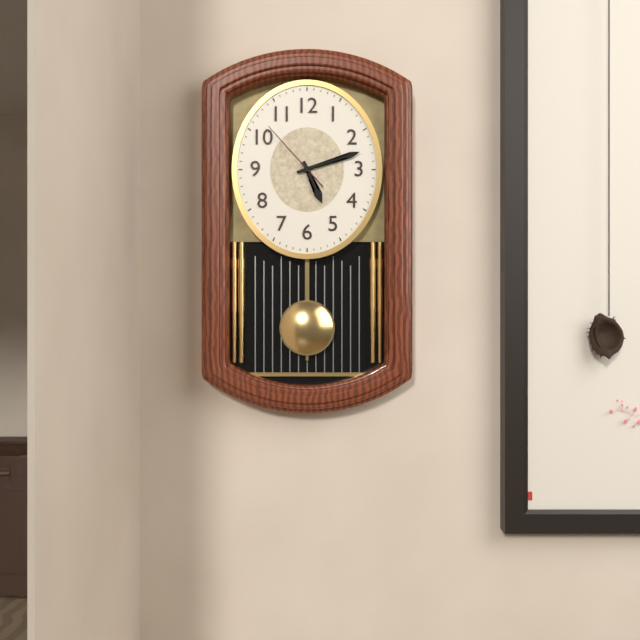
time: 5:12:53
